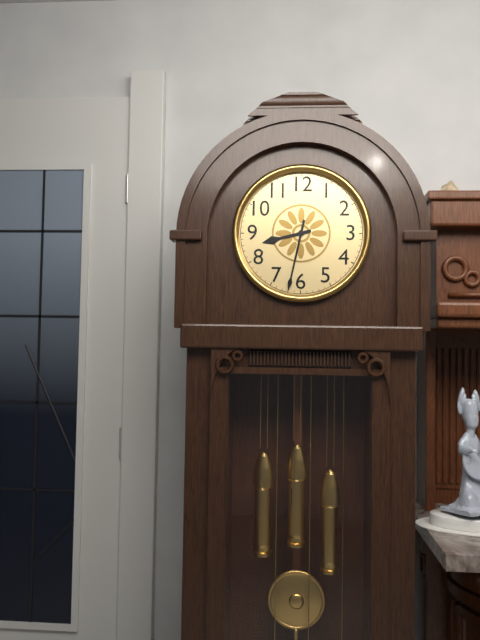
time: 8:32
